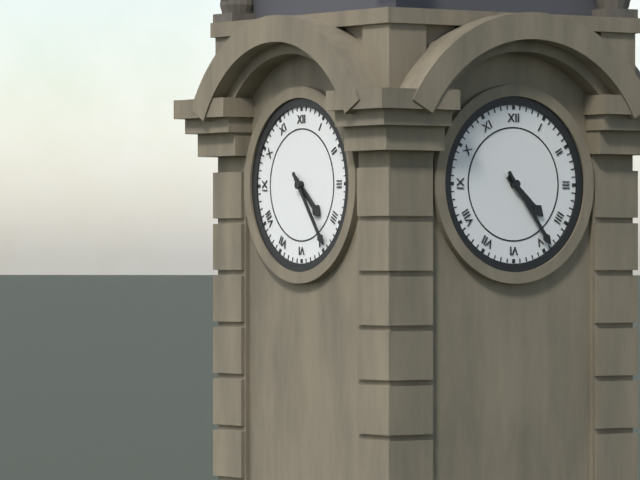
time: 4:24
